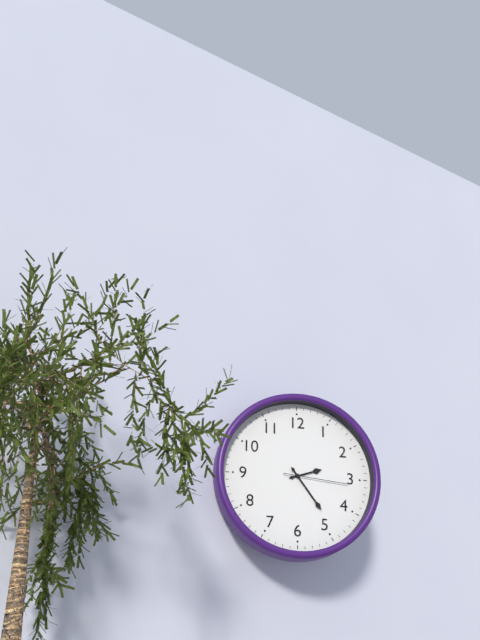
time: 2:24:16
